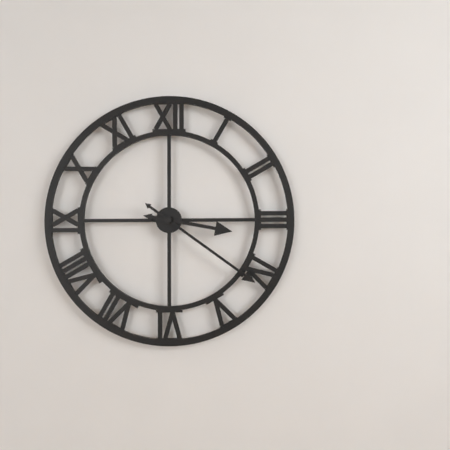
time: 3:21
